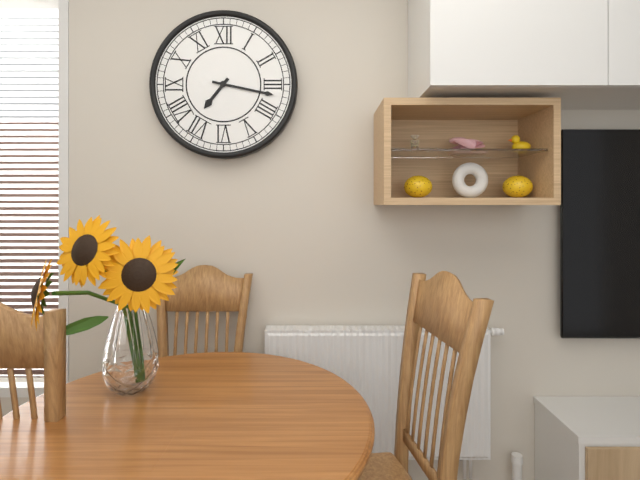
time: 7:17
